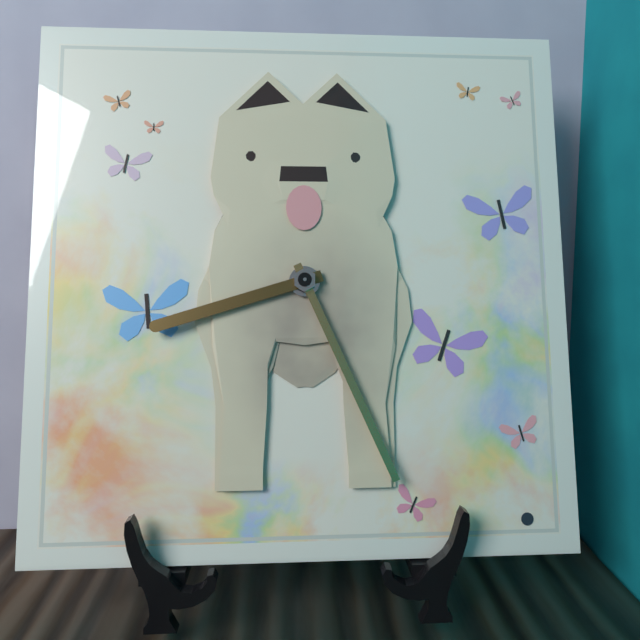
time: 8:26
